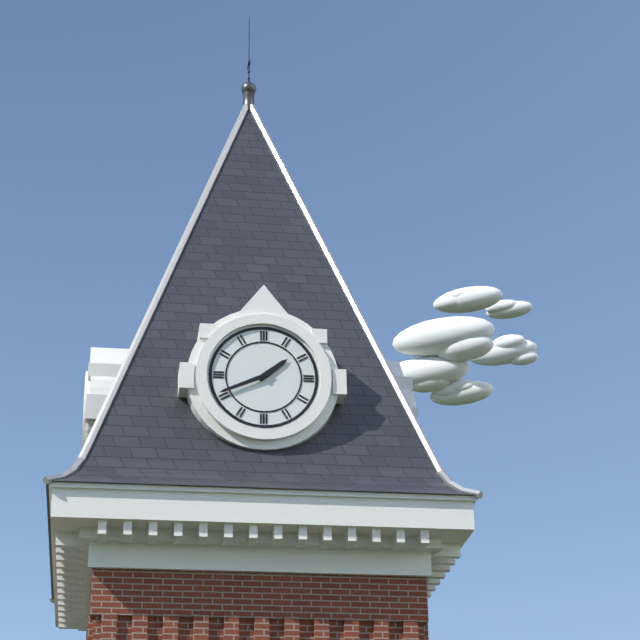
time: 1:41
